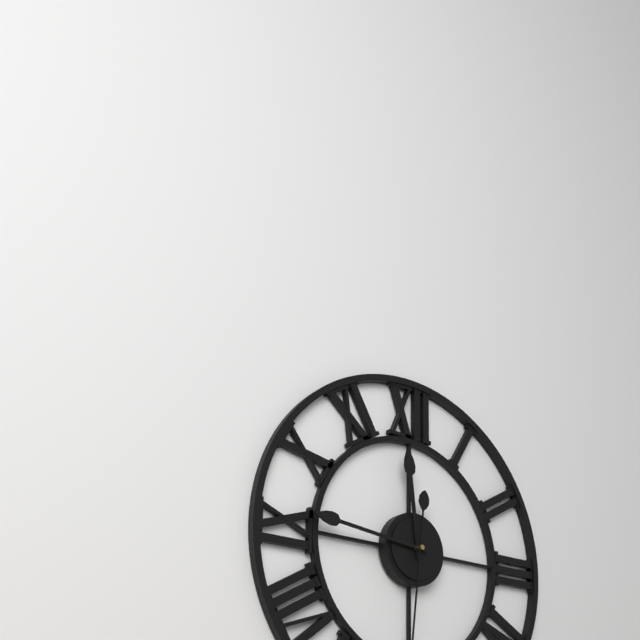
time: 11:46
